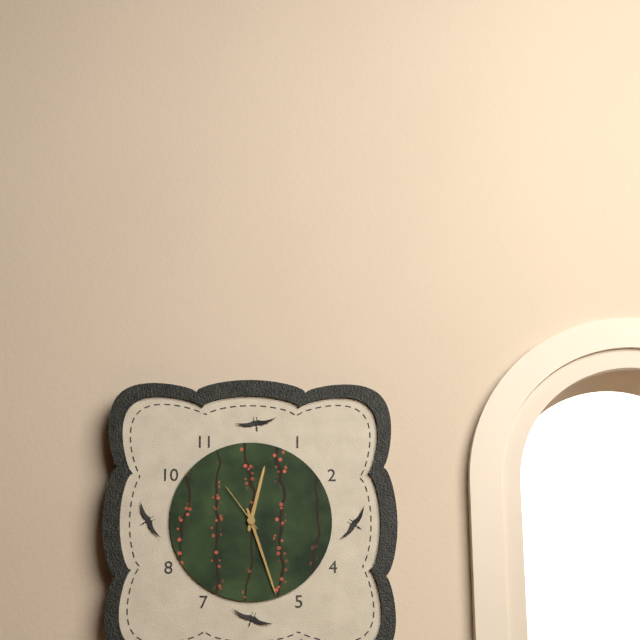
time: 12:27:54
